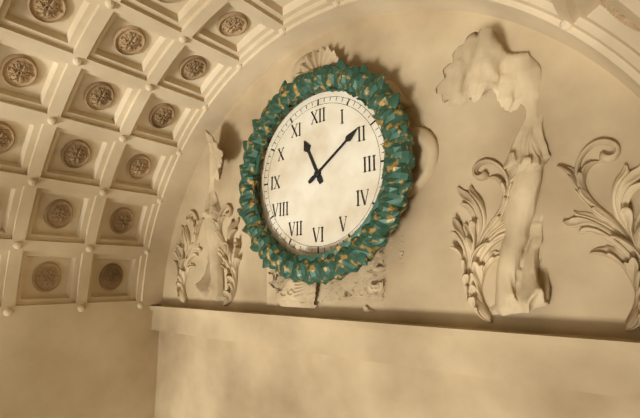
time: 11:09
